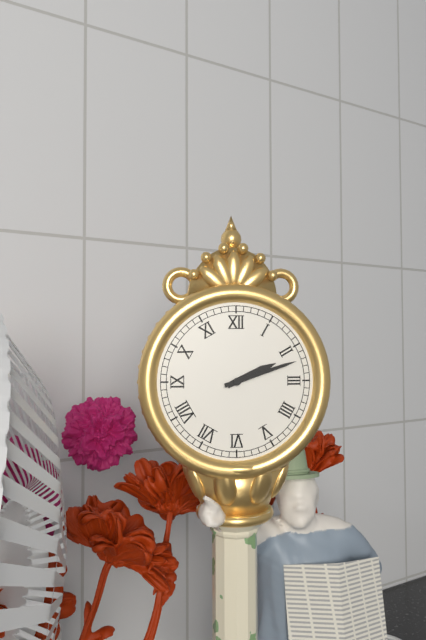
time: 2:12
